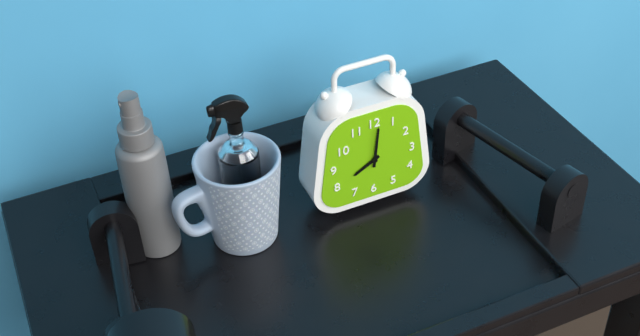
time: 8:01
